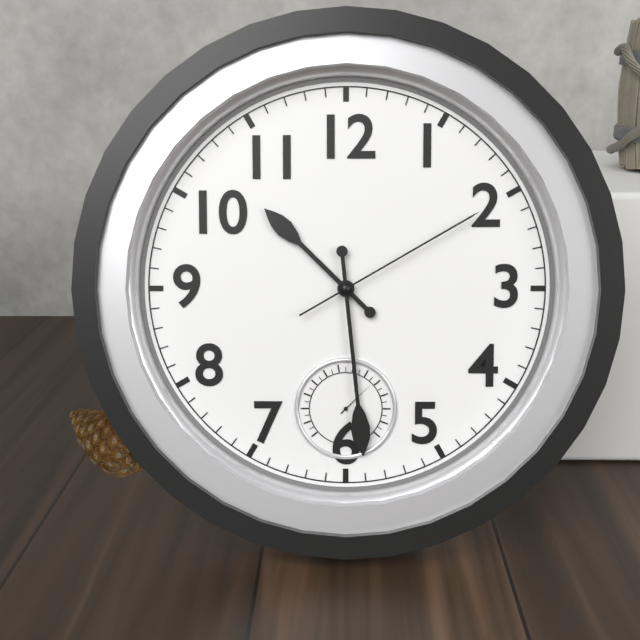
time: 10:29:10
